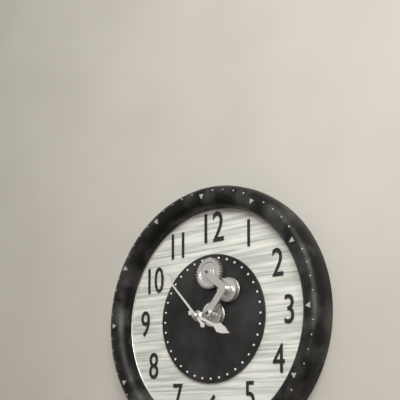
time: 3:53
